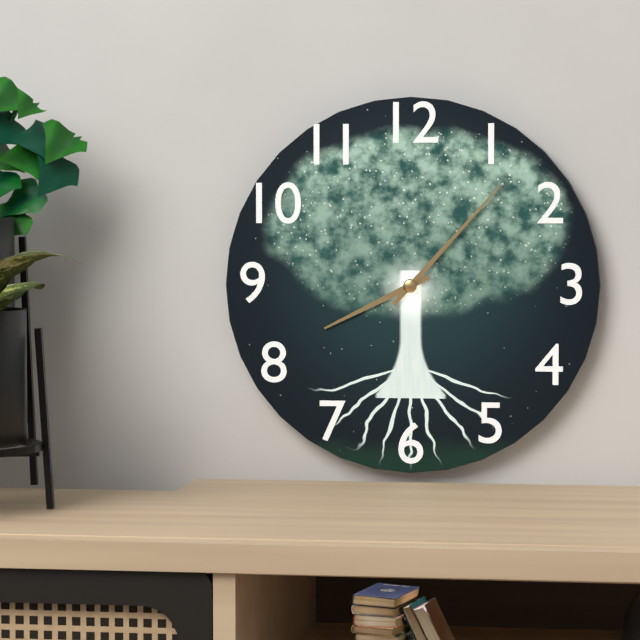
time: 8:07
